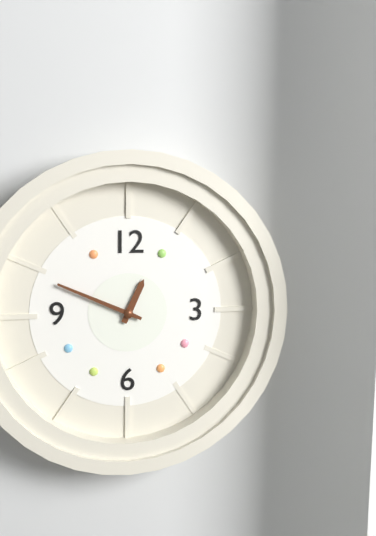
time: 12:49
